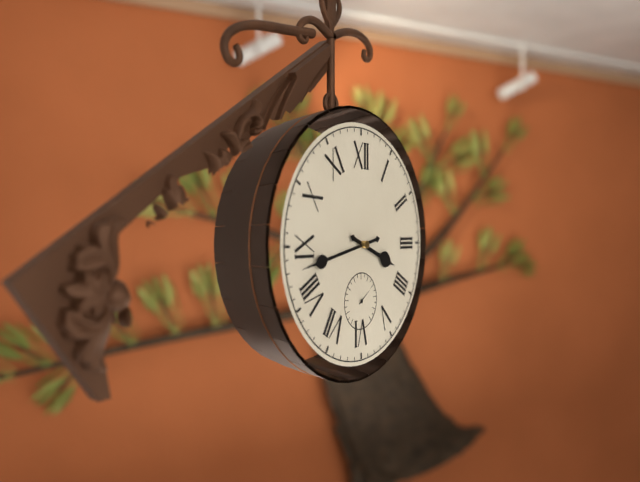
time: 3:43
